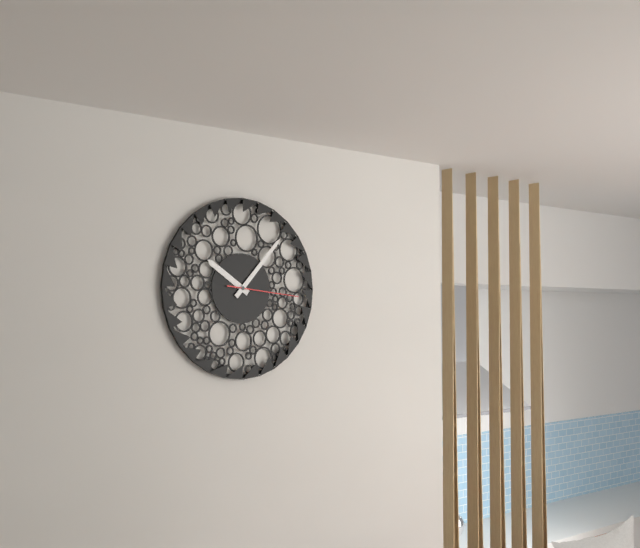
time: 10:07:16
